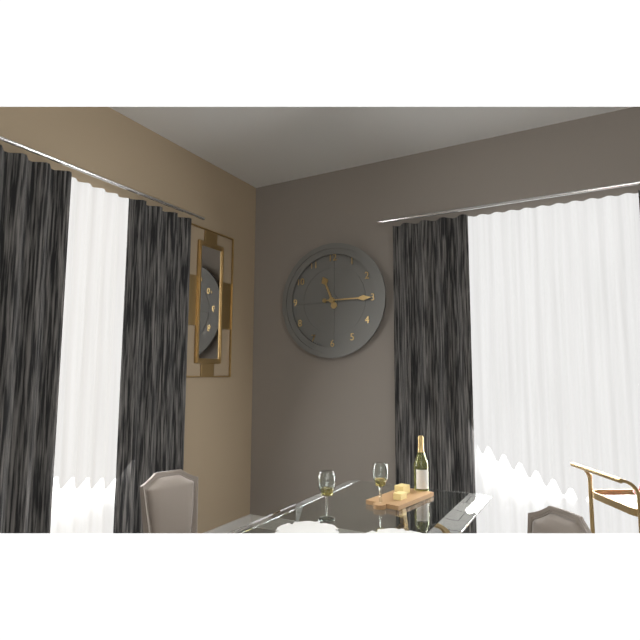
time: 11:15
